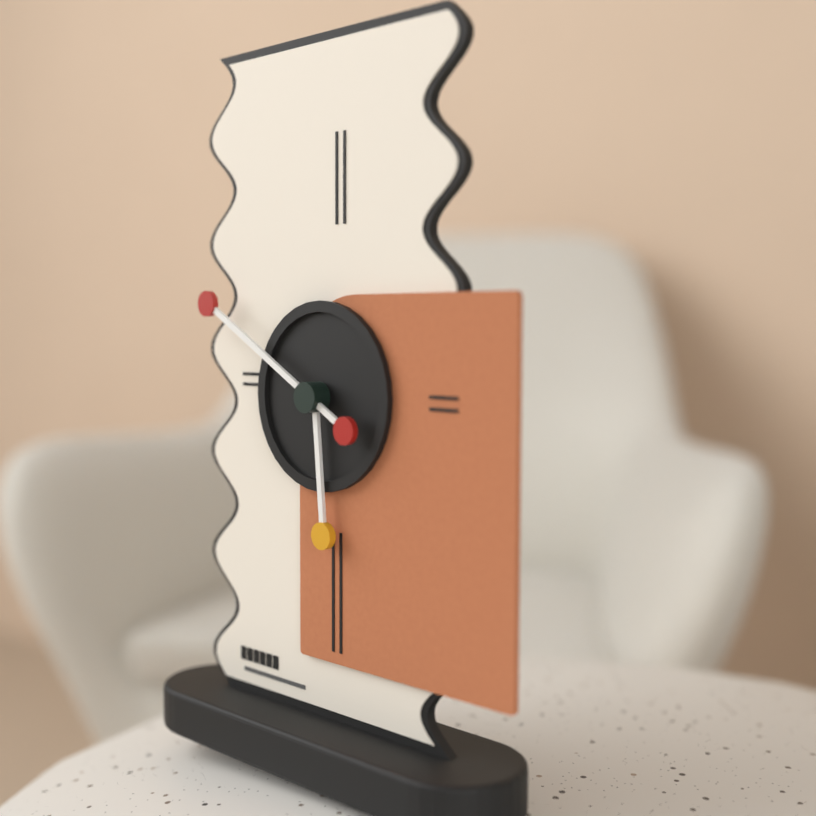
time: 5:50
